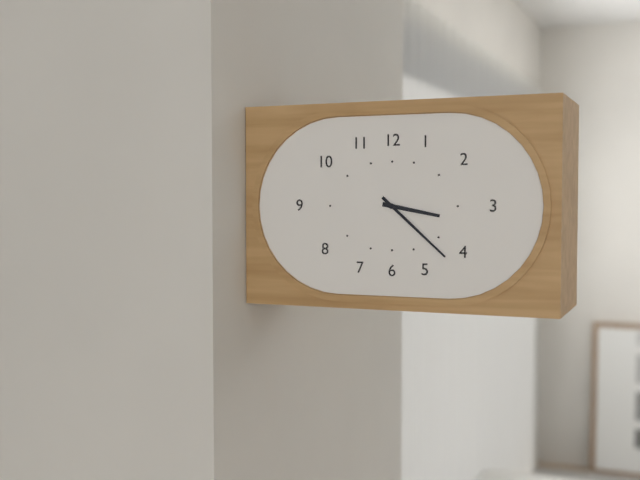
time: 3:22
